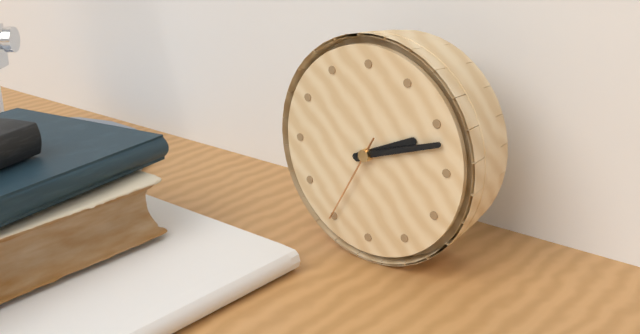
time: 2:12:35
